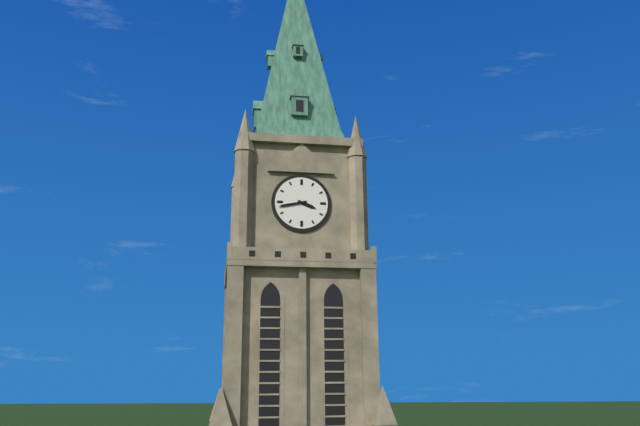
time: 3:43
